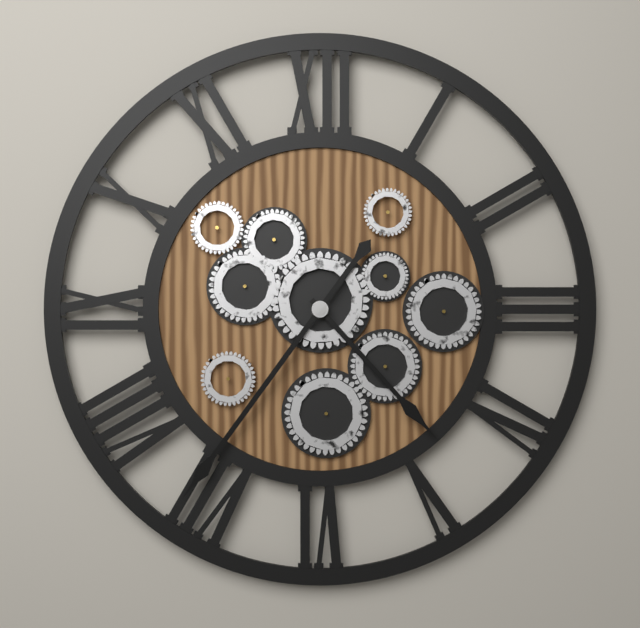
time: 4:36
